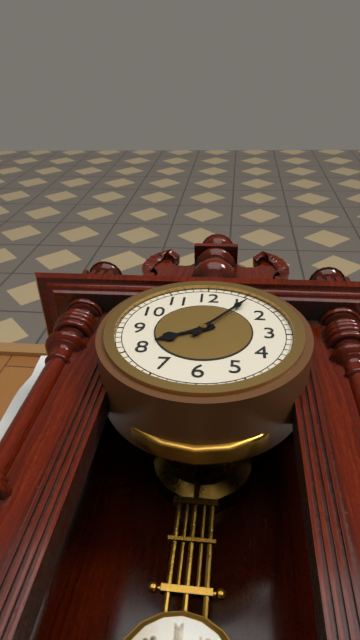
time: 8:06
